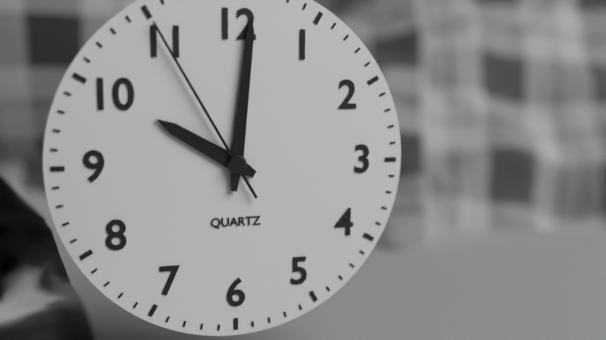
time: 10:01:55
